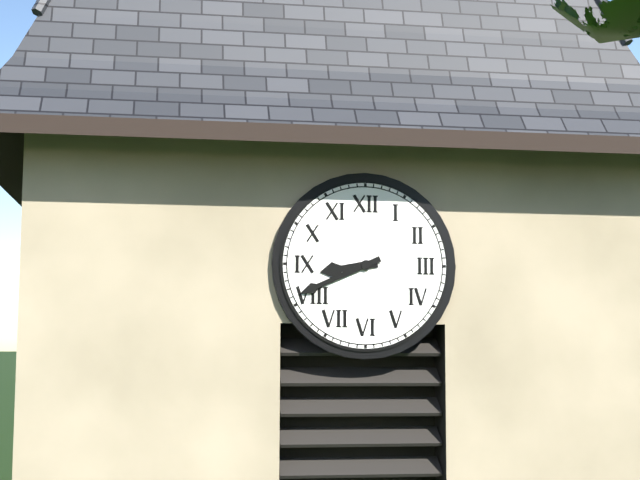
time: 8:41
